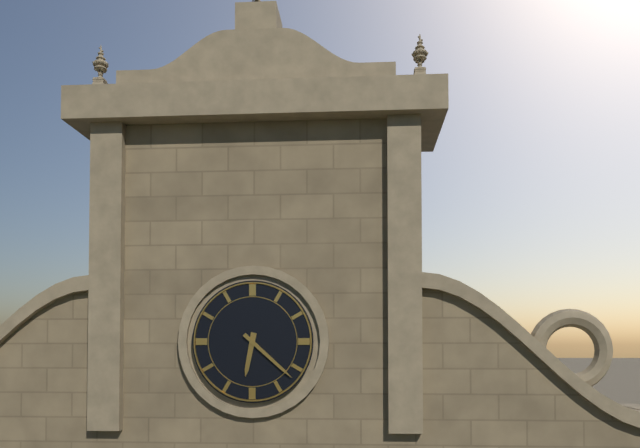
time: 6:22
